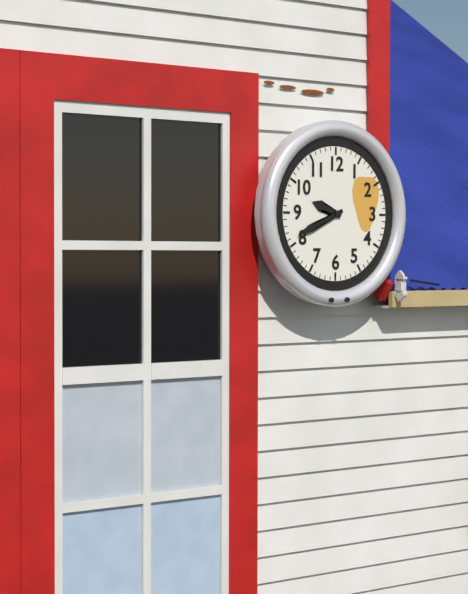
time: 9:41
